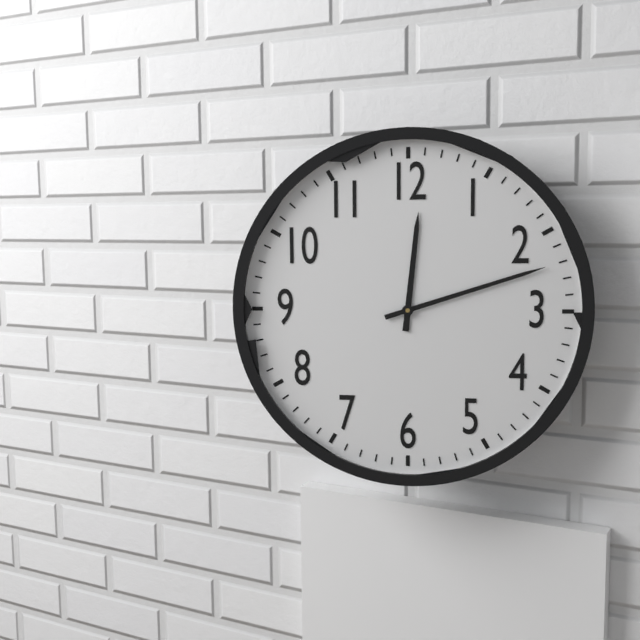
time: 12:12
